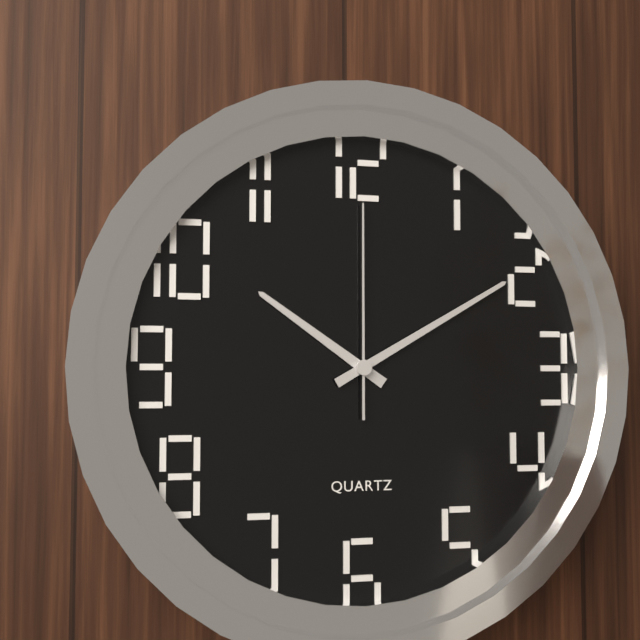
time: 10:10:00
